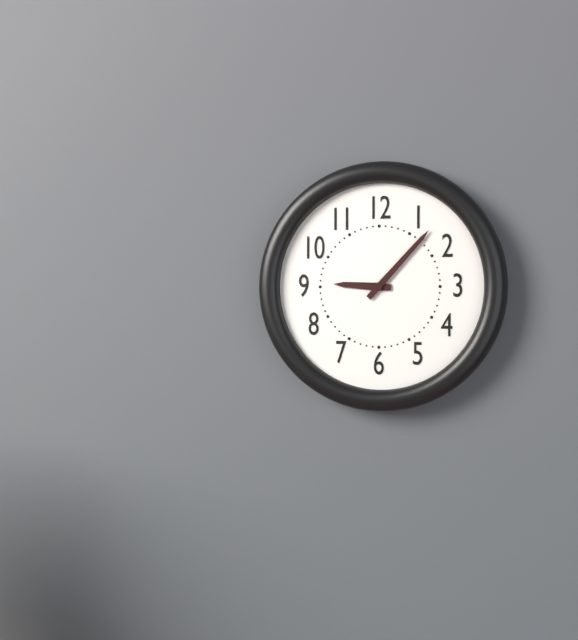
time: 9:07
